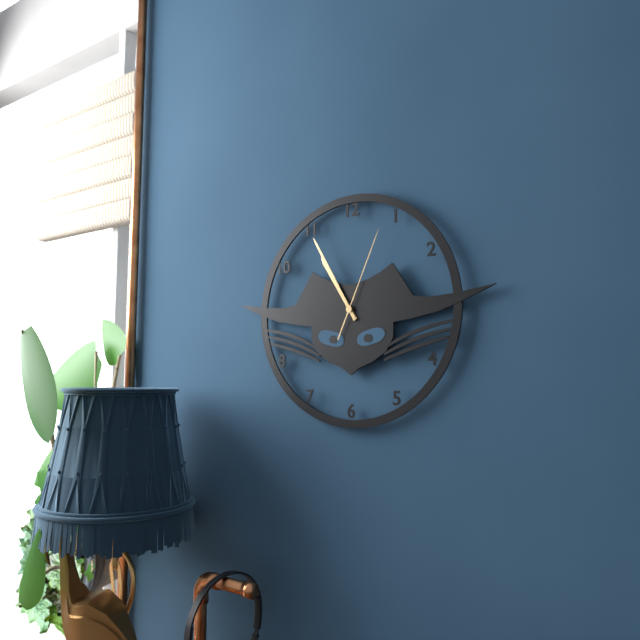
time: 10:55:04
